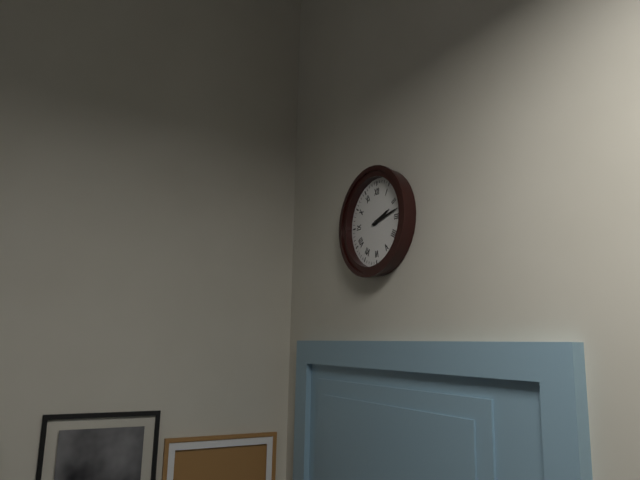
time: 2:13
